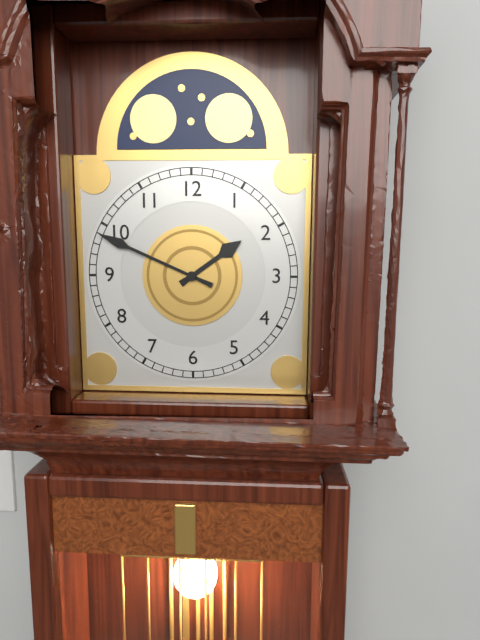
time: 1:49
